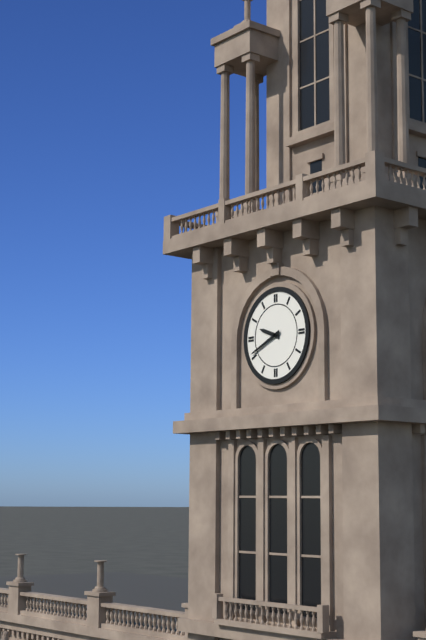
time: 9:41
